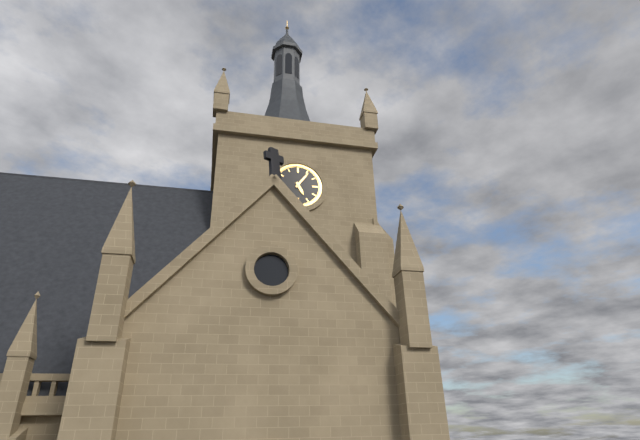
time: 5:06
